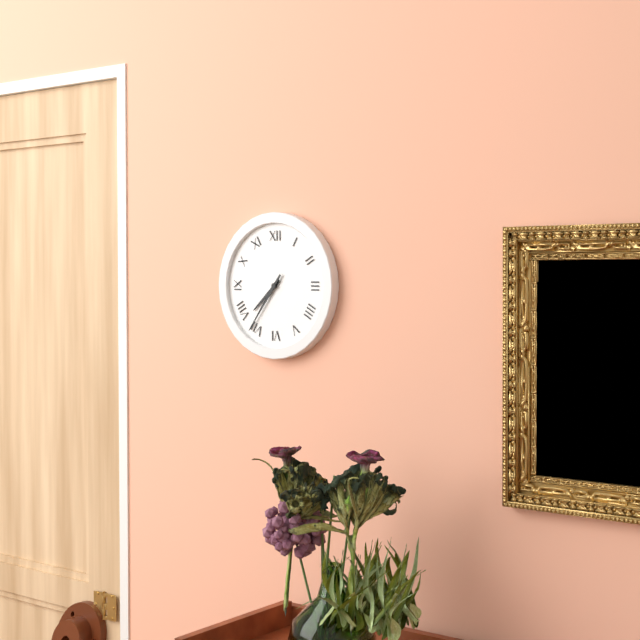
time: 7:36
